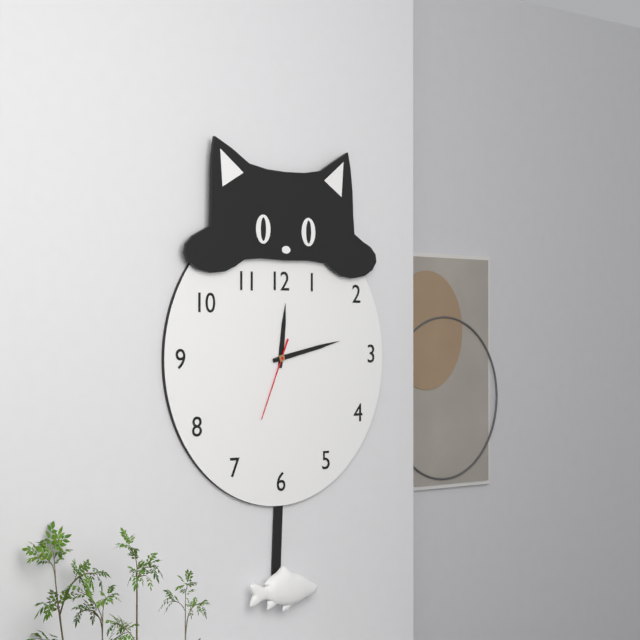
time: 12:13:34
